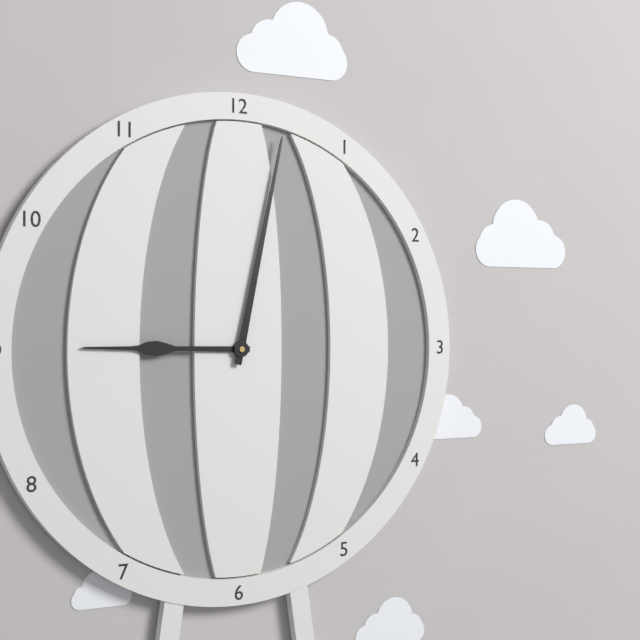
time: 9:02
